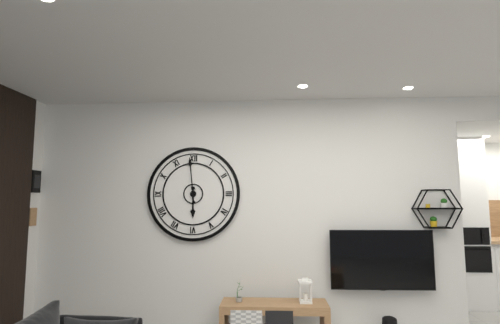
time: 5:59
